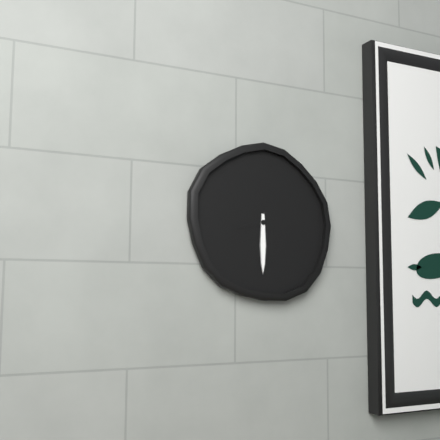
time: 8:30
